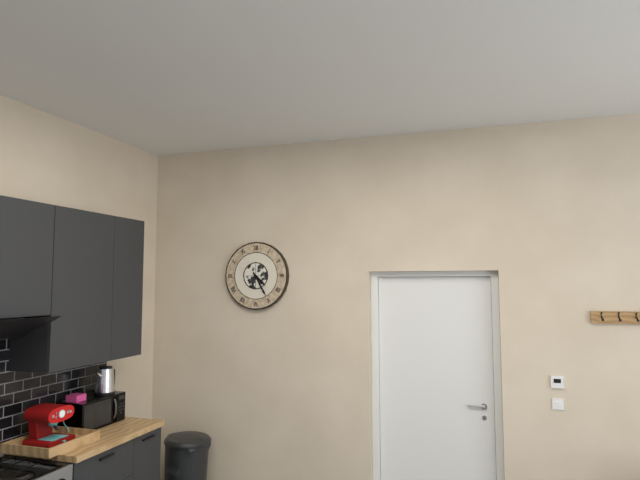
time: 4:25
